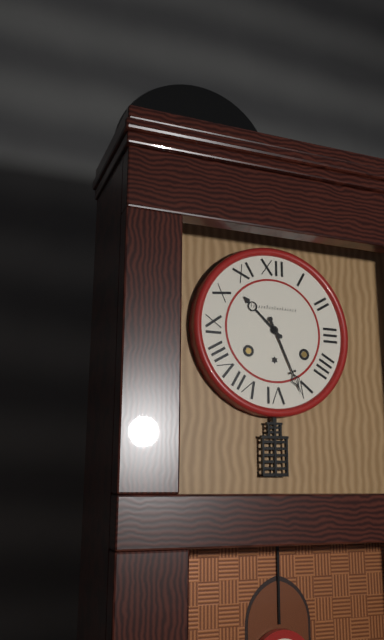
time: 10:26
